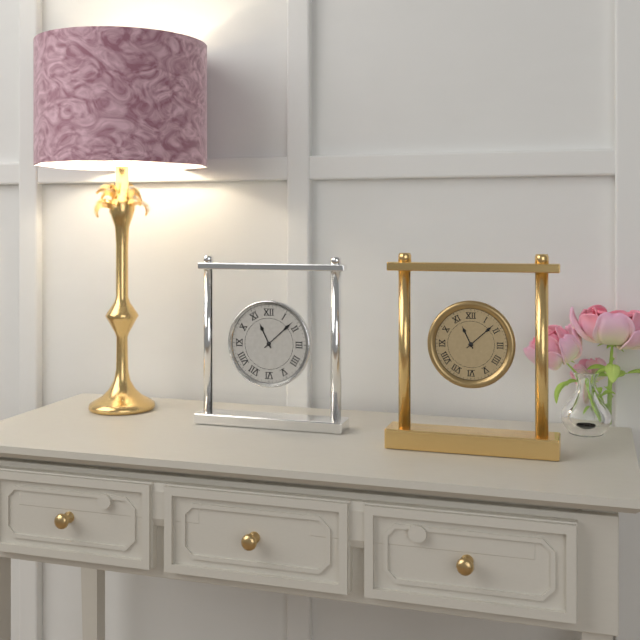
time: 11:08
